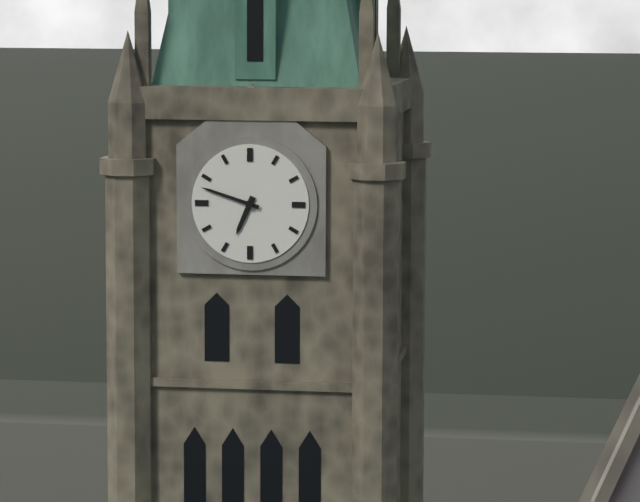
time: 6:48
